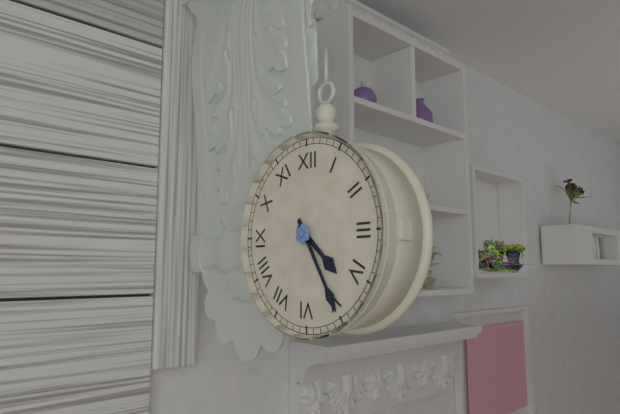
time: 4:25
